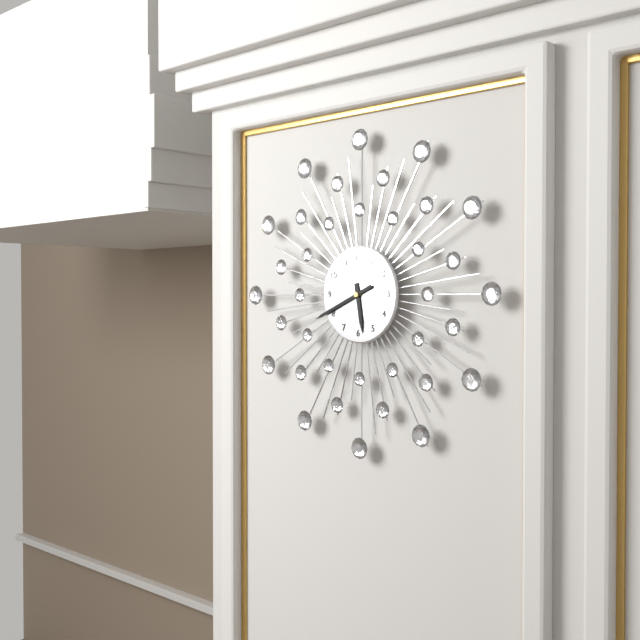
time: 5:41
